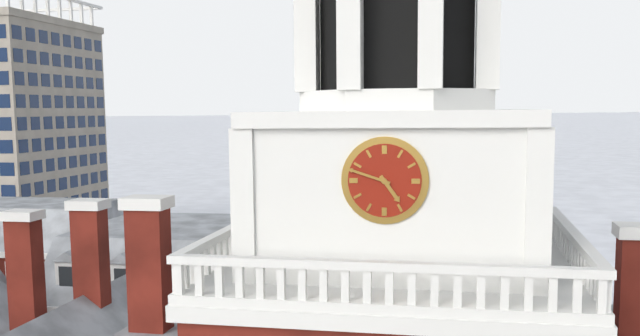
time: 4:48
